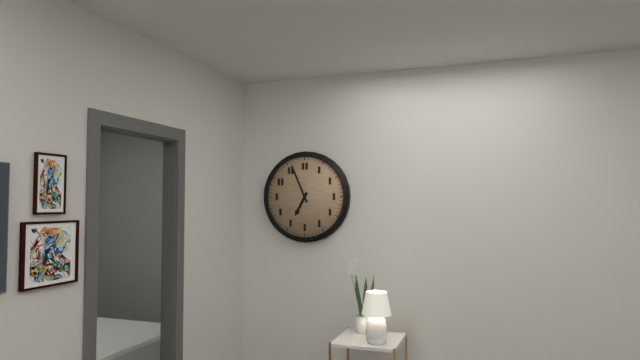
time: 6:56
